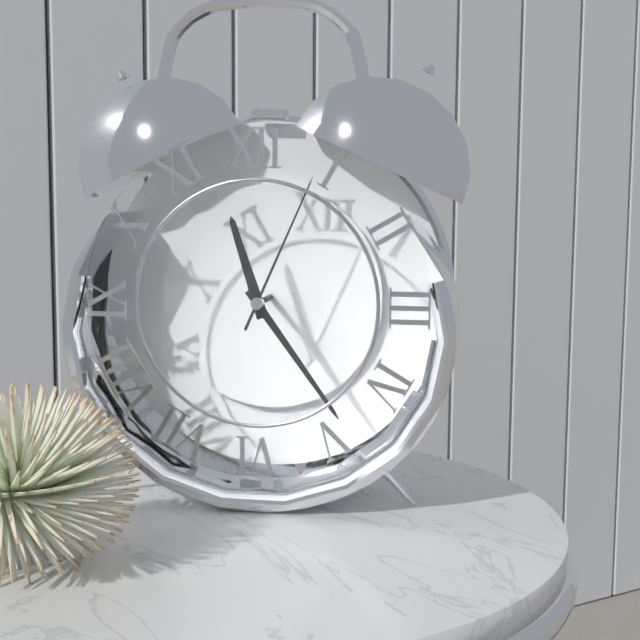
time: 11:24:04
